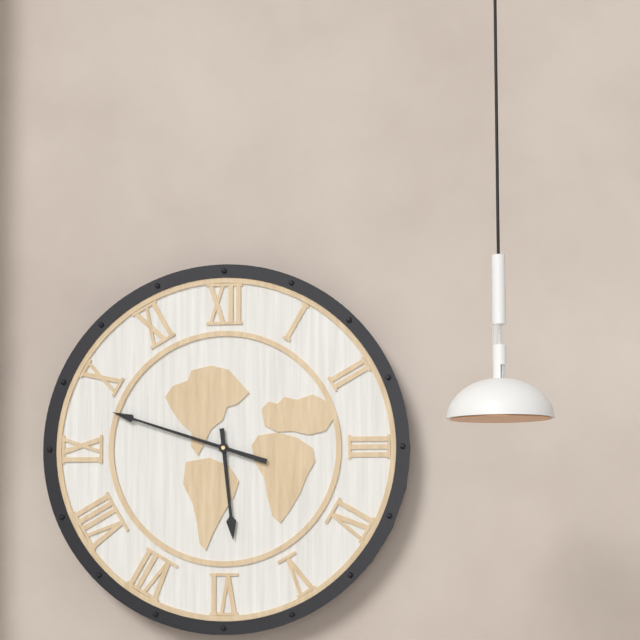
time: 5:48
